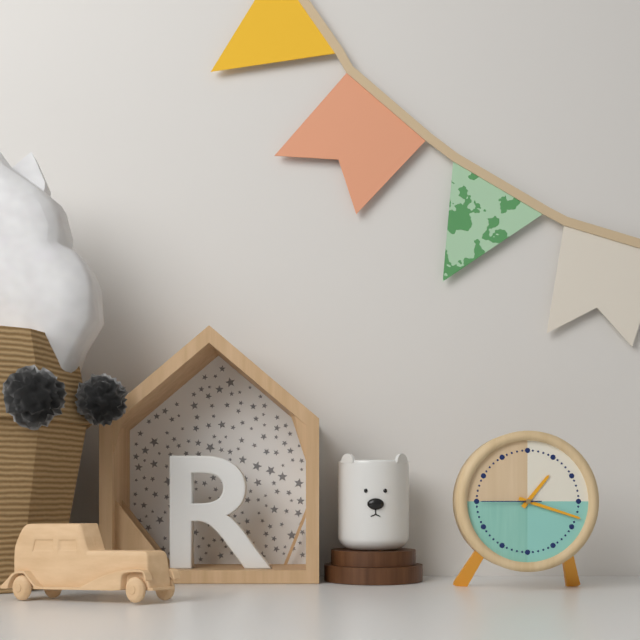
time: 1:18:45
